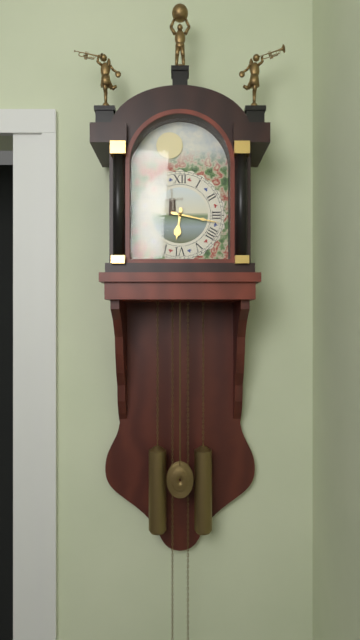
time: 6:17
